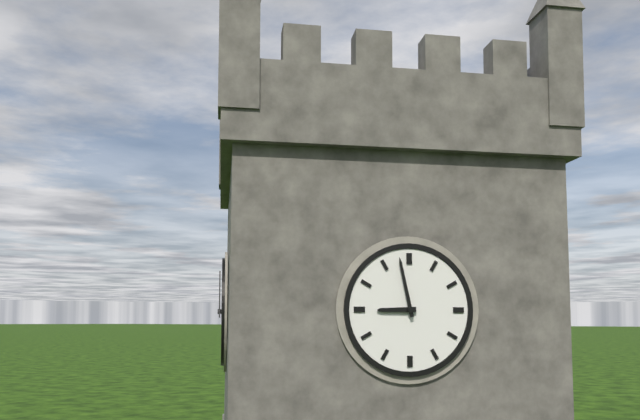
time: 8:58
